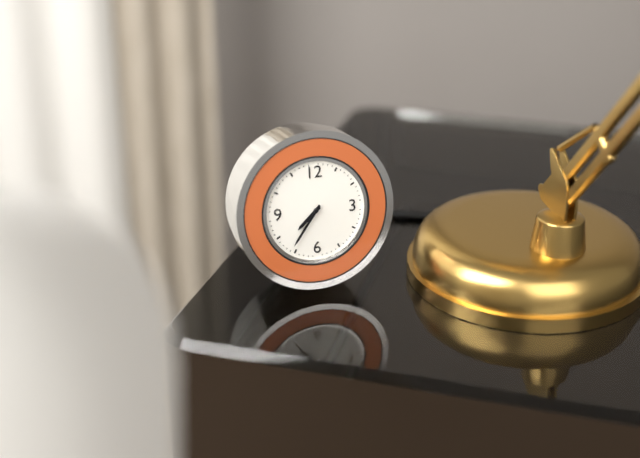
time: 7:36
